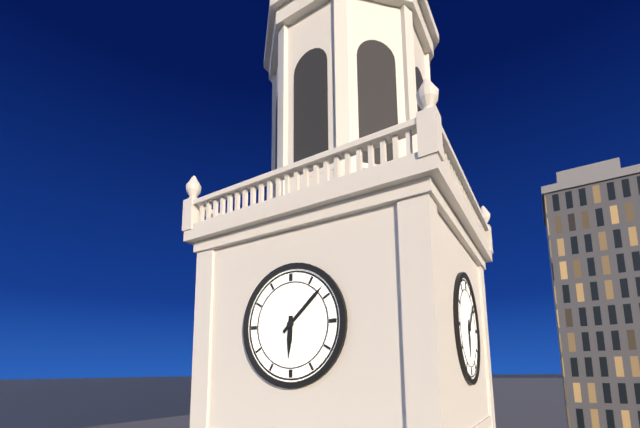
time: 6:08
